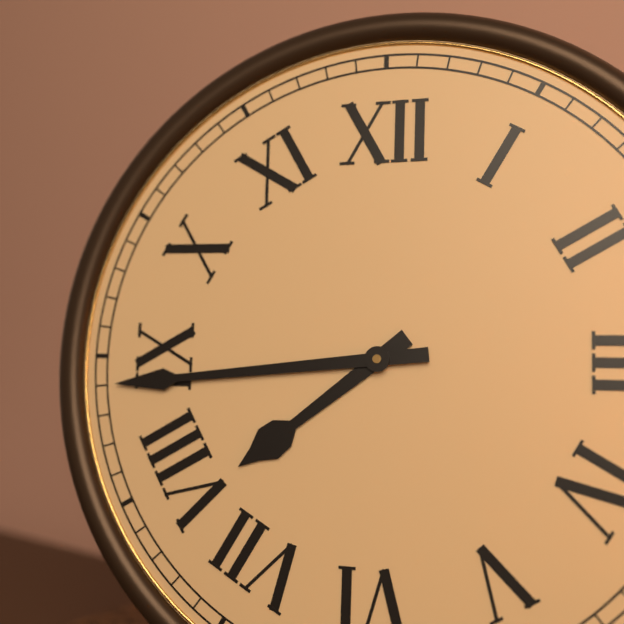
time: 7:44
